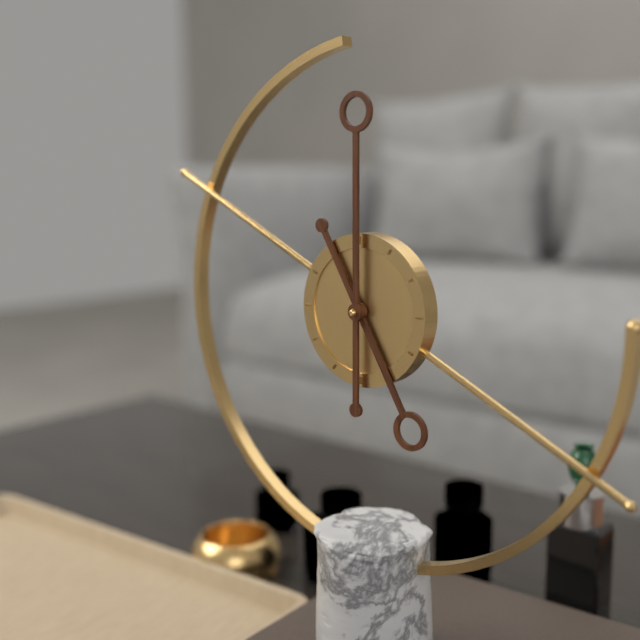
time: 5:00
